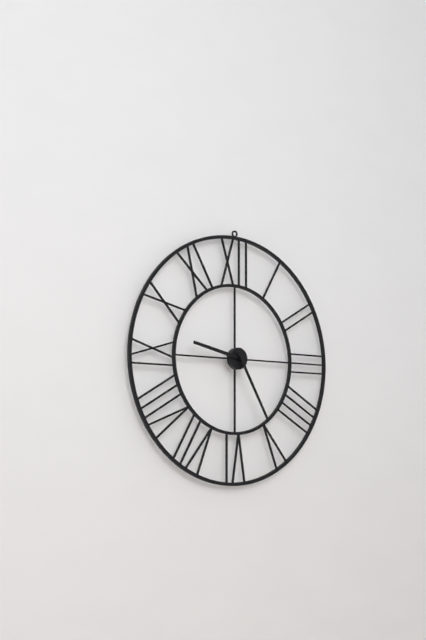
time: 9:25
